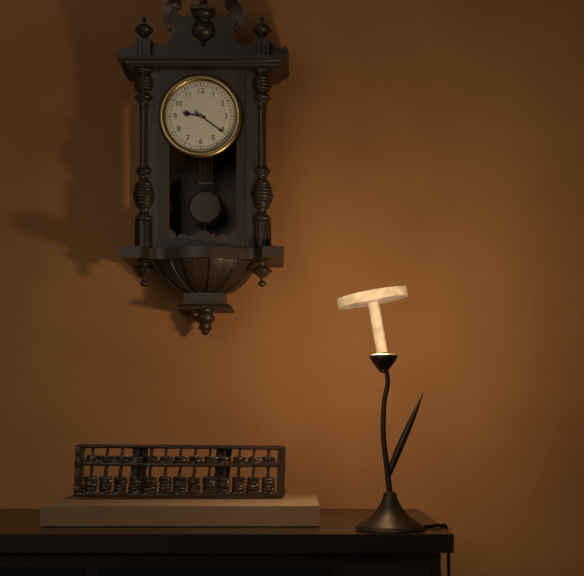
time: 9:21
